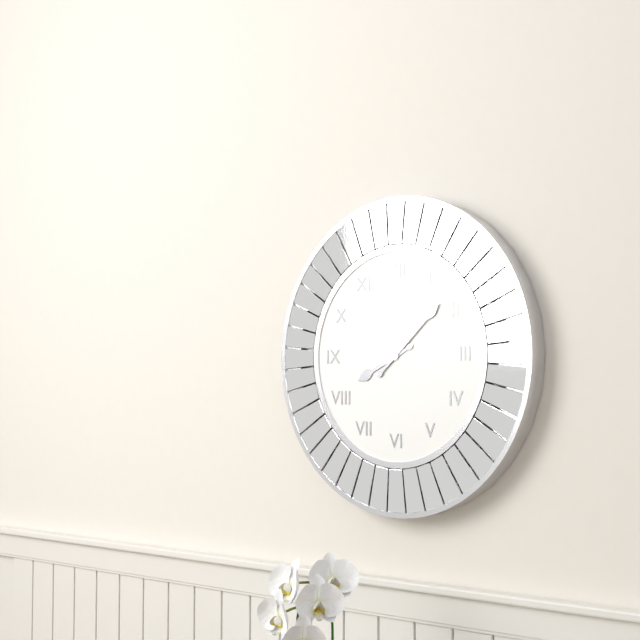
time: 8:08
